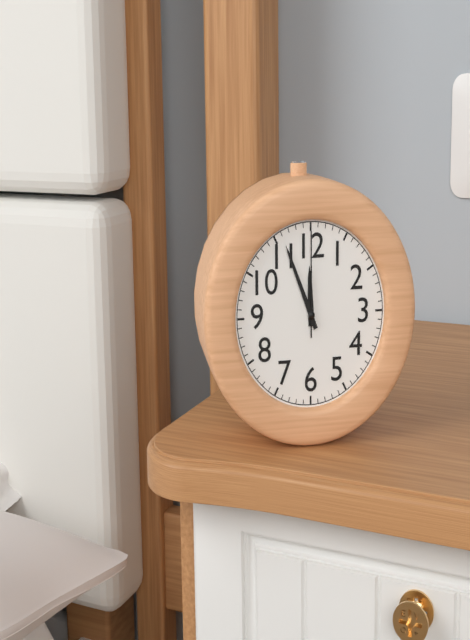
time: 11:56:00
